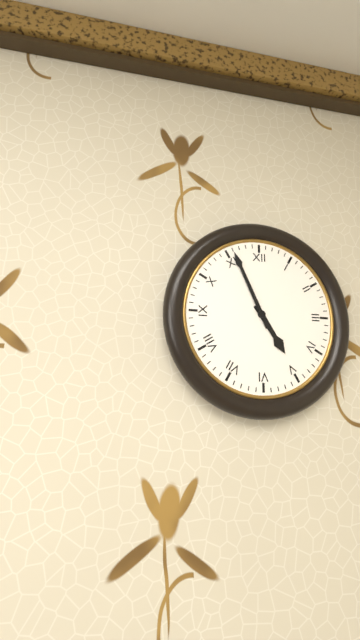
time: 4:56
